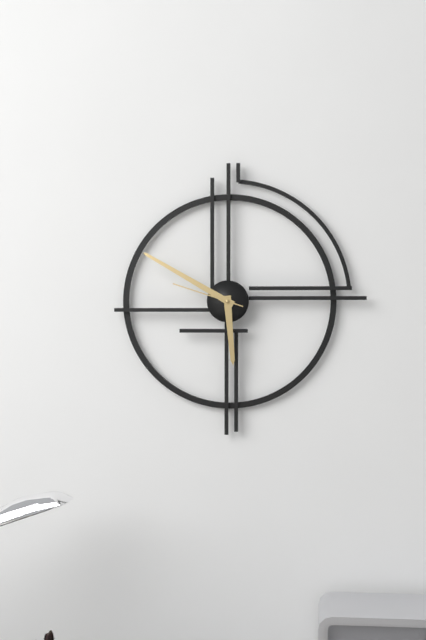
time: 5:50:48
